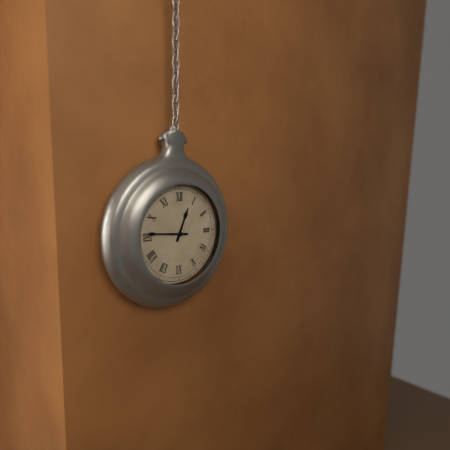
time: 12:46
